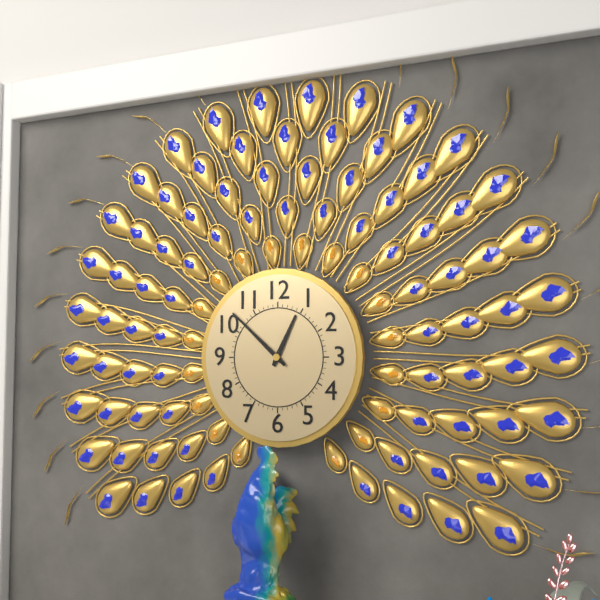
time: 12:52
